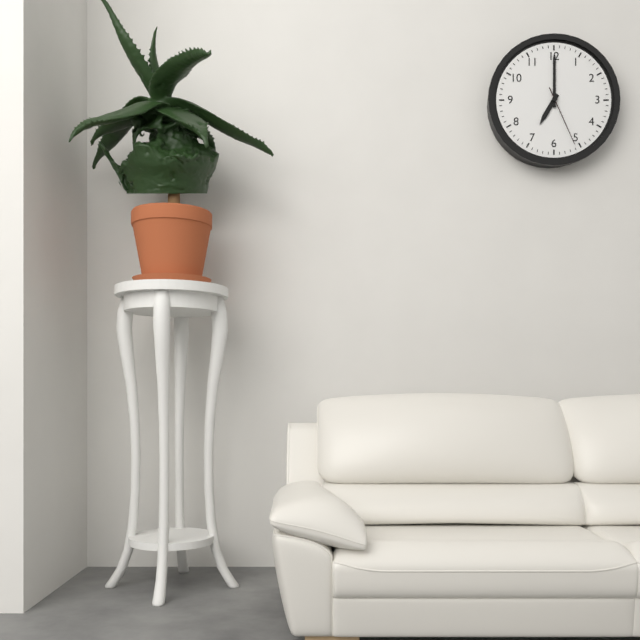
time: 7:00:26
